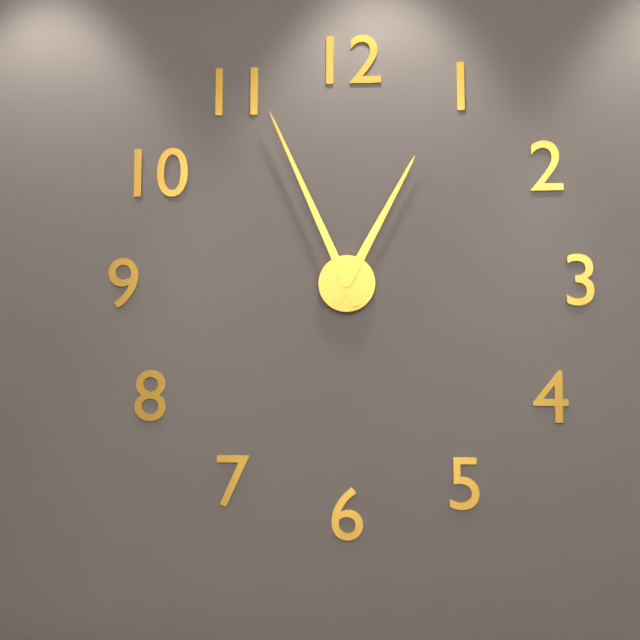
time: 12:56
